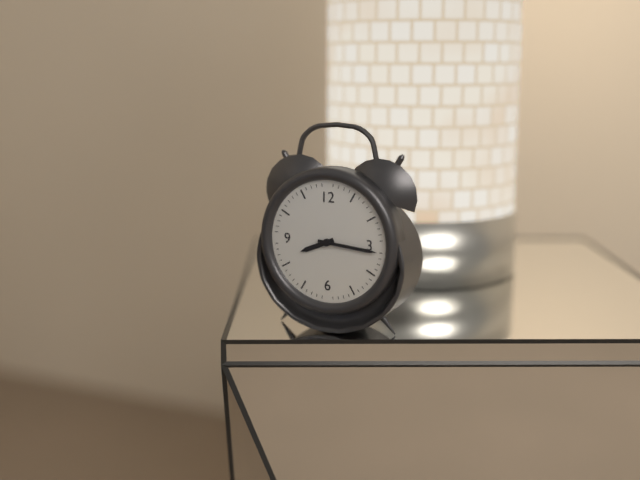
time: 8:16
